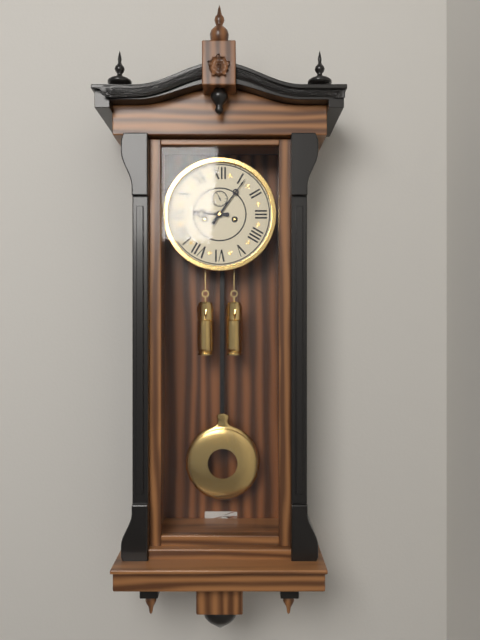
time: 9:06
